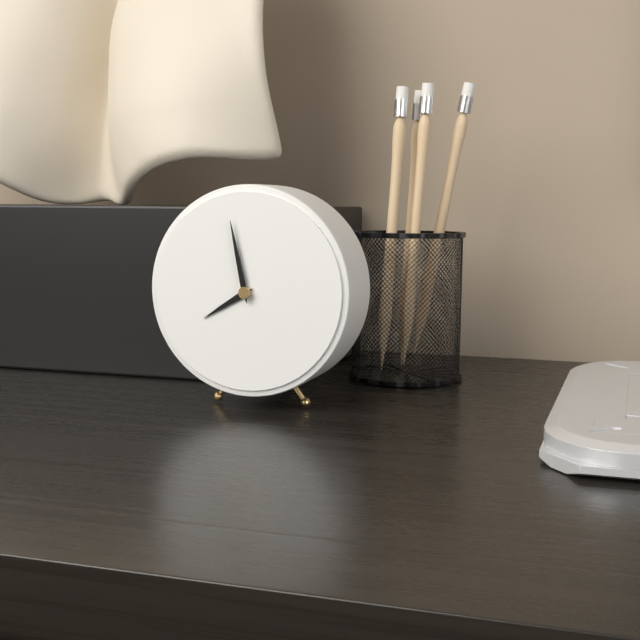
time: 7:58
